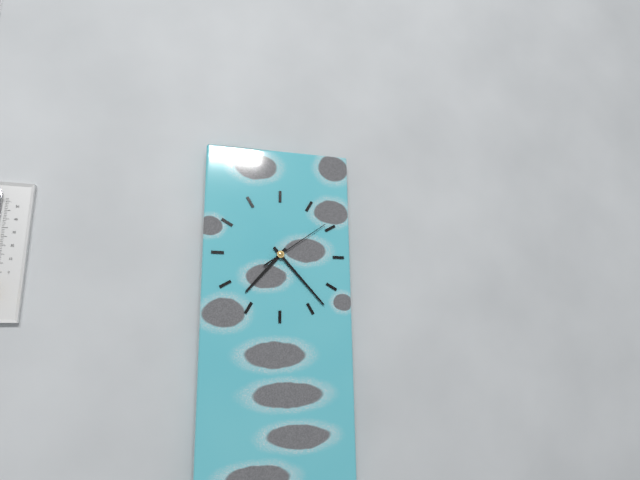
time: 7:23:09
